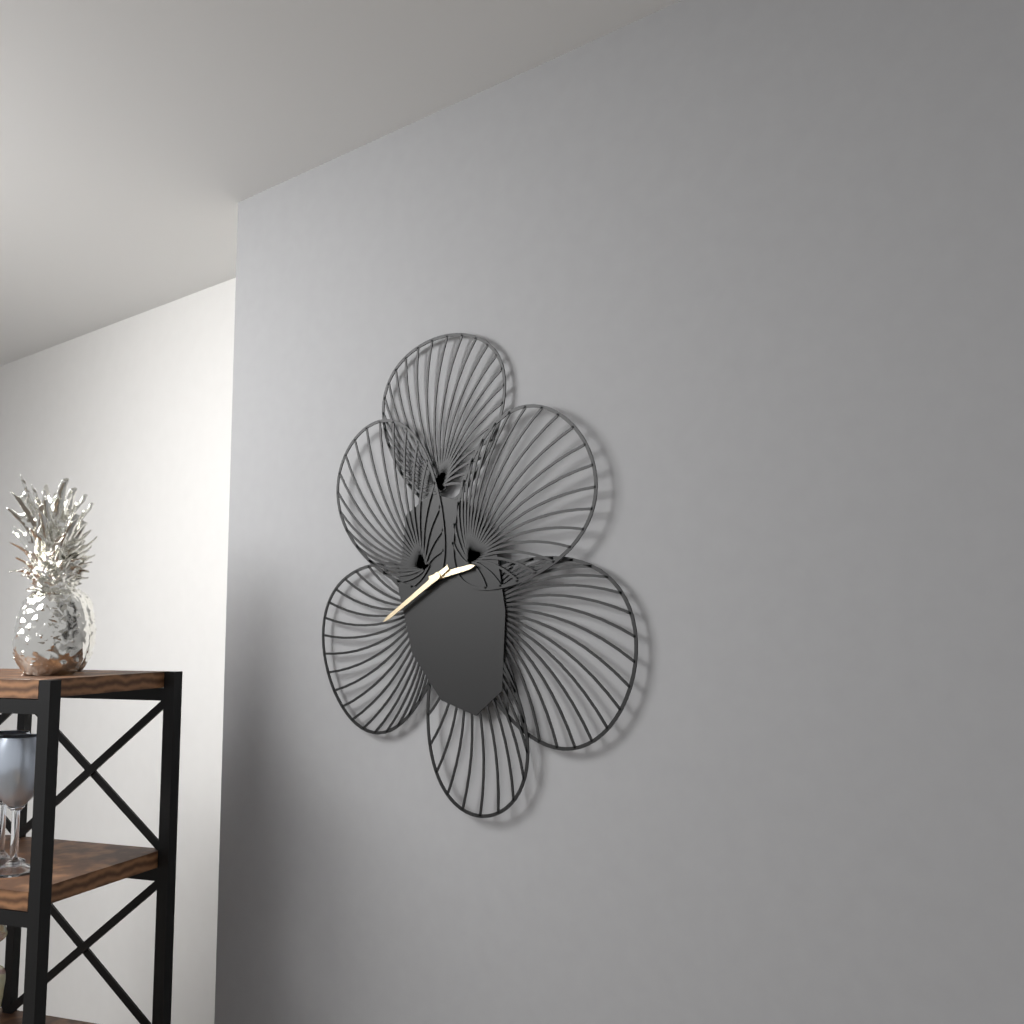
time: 2:40
